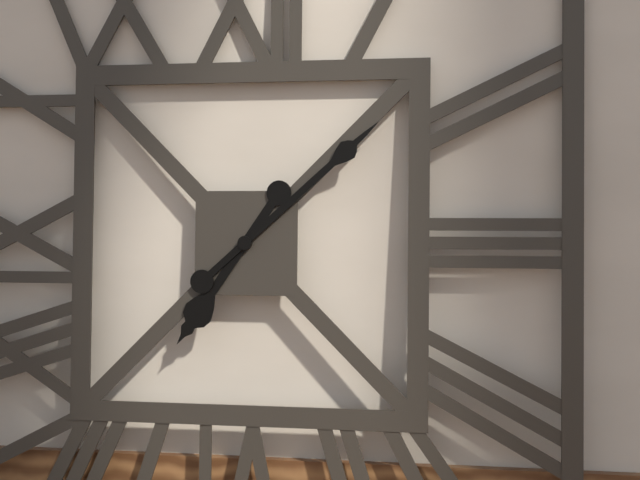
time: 7:08
